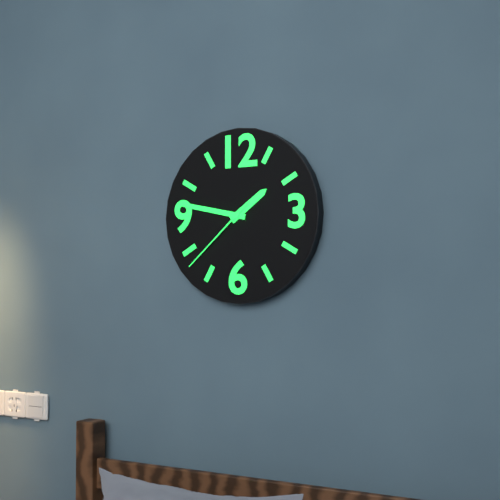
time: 1:47:38
